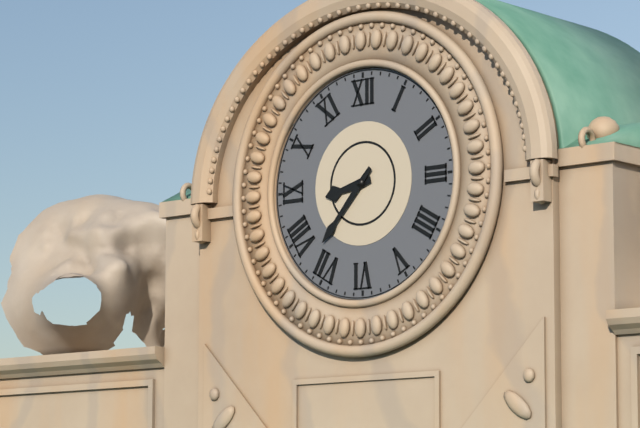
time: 8:37
